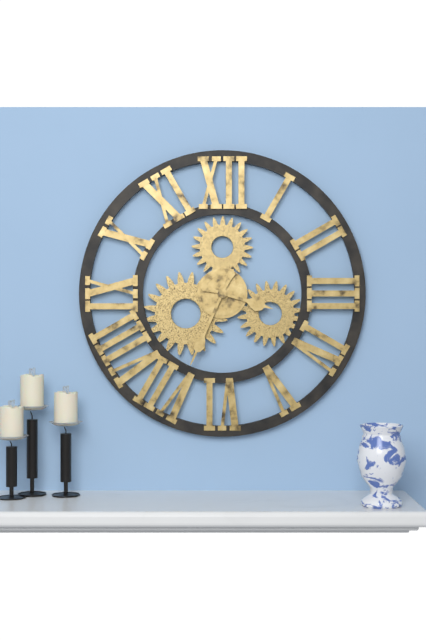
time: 3:34
